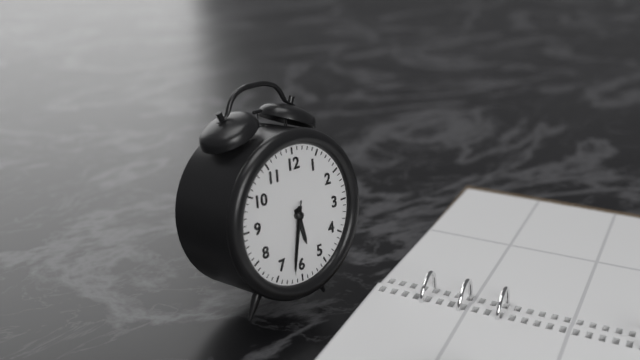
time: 5:32:32
